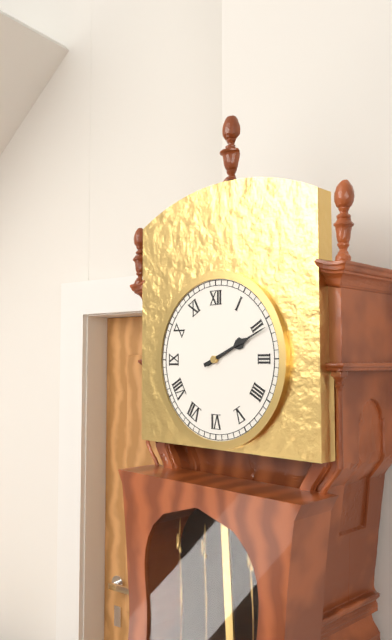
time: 2:11
